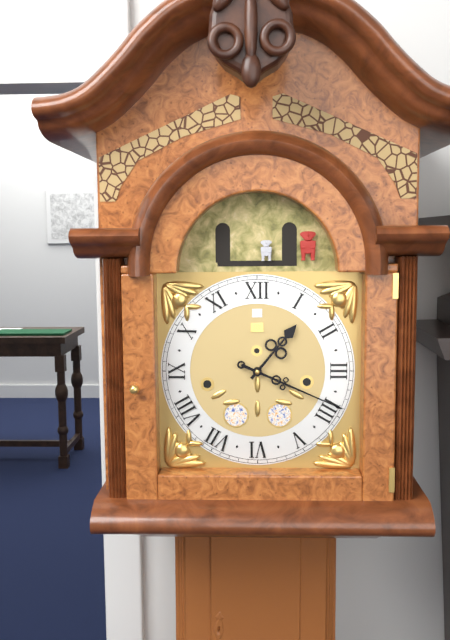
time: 1:19
